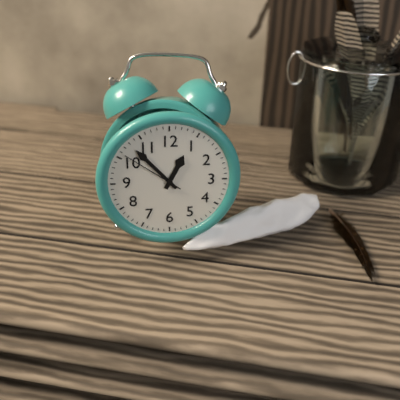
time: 12:53:51
